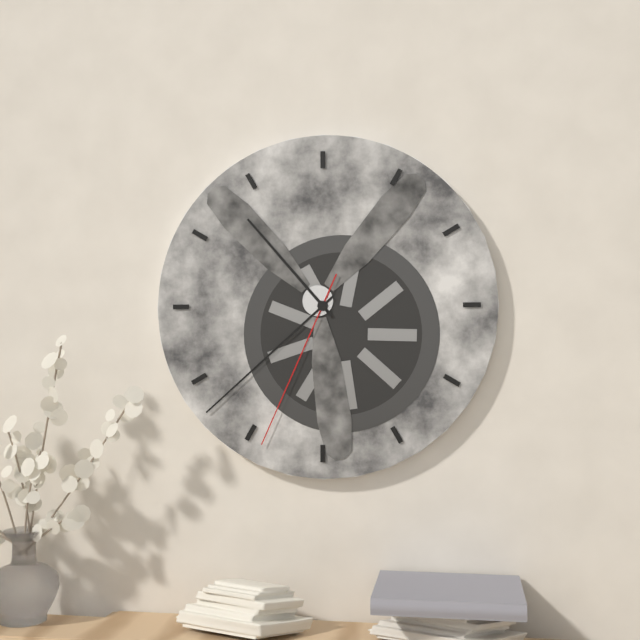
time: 10:38:34
